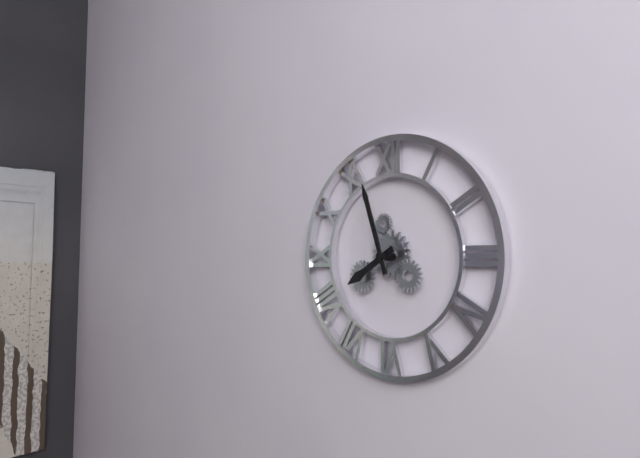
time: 7:57
